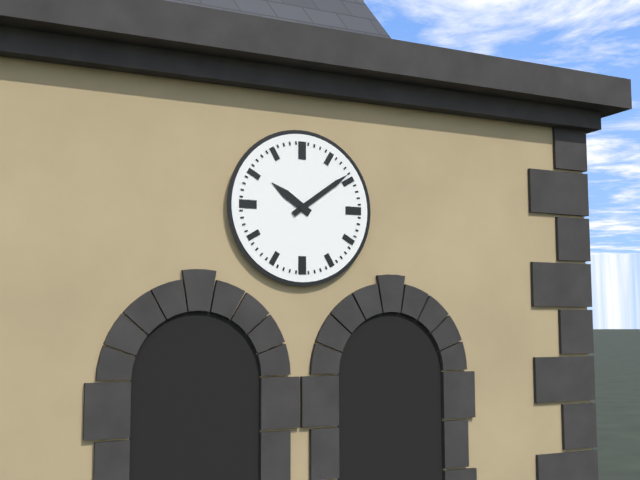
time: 10:09
